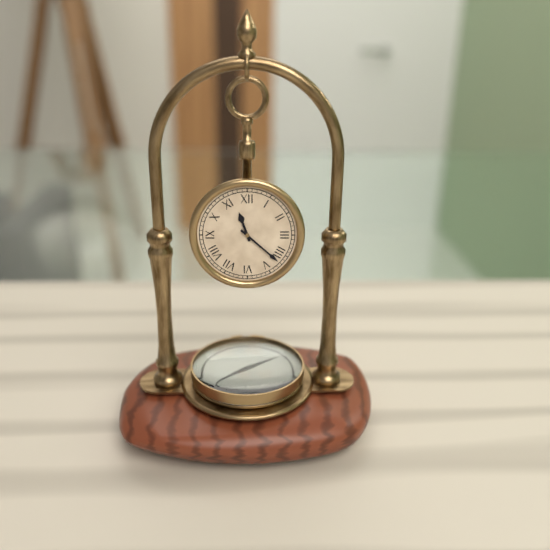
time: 11:22
